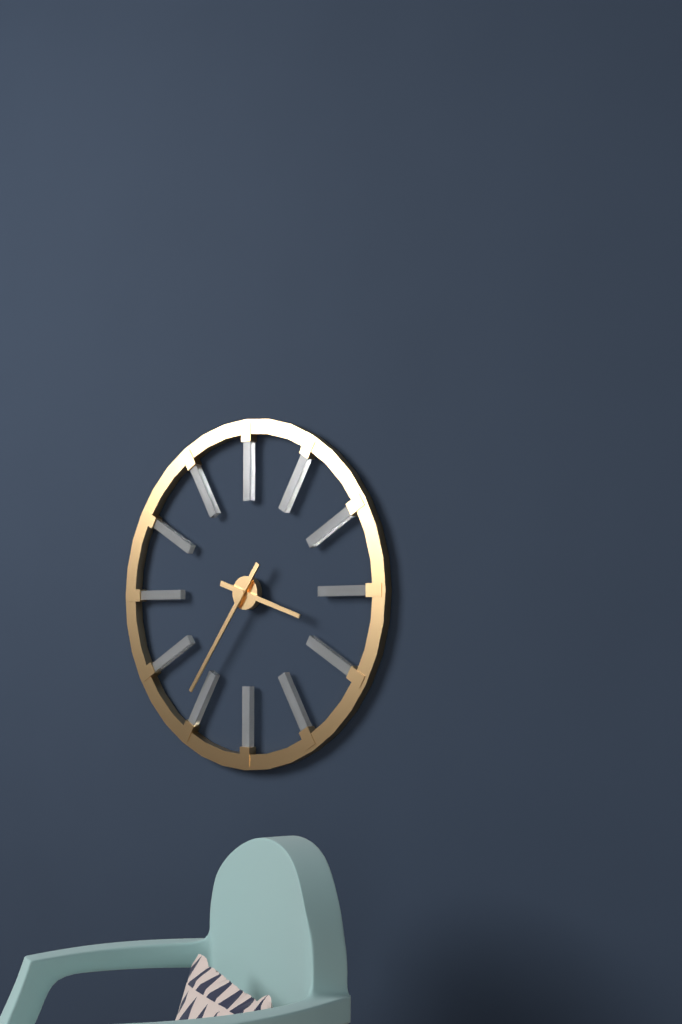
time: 3:36
